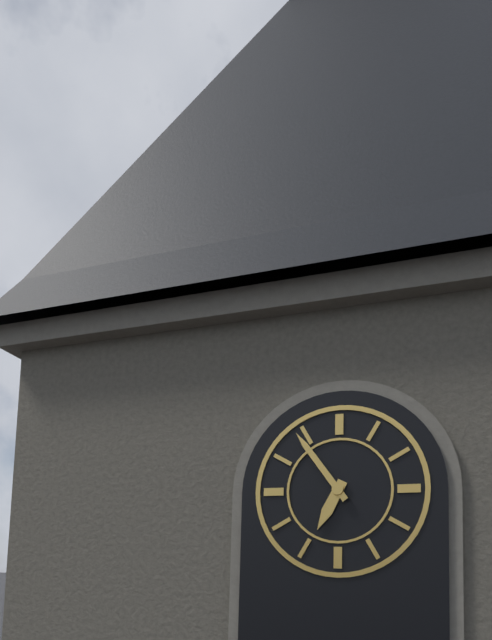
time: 6:54
